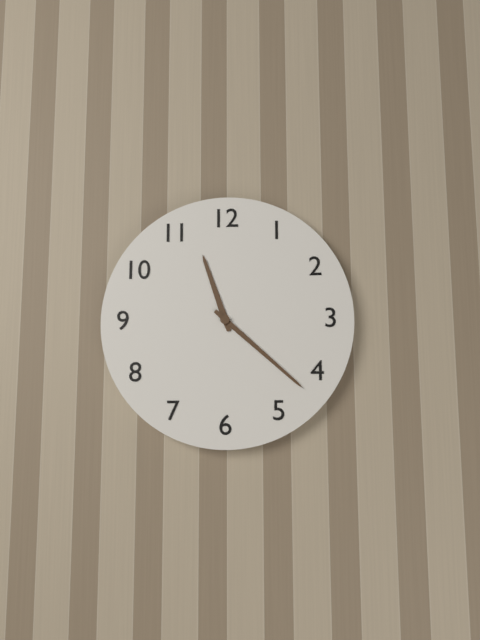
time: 11:22
